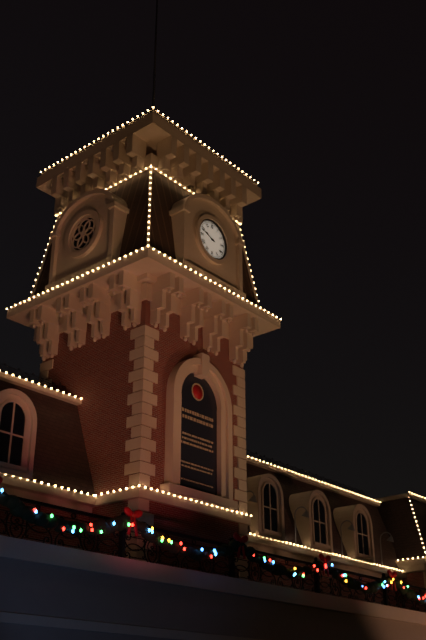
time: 9:48
